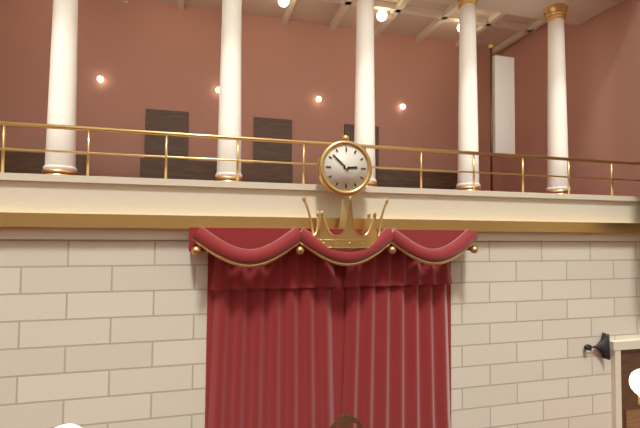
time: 2:52
